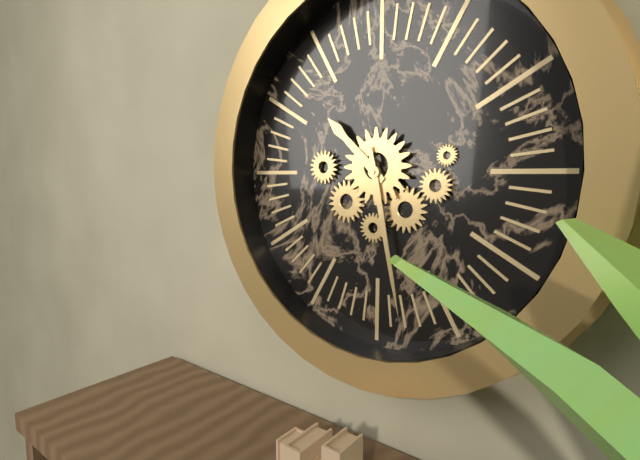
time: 10:28
